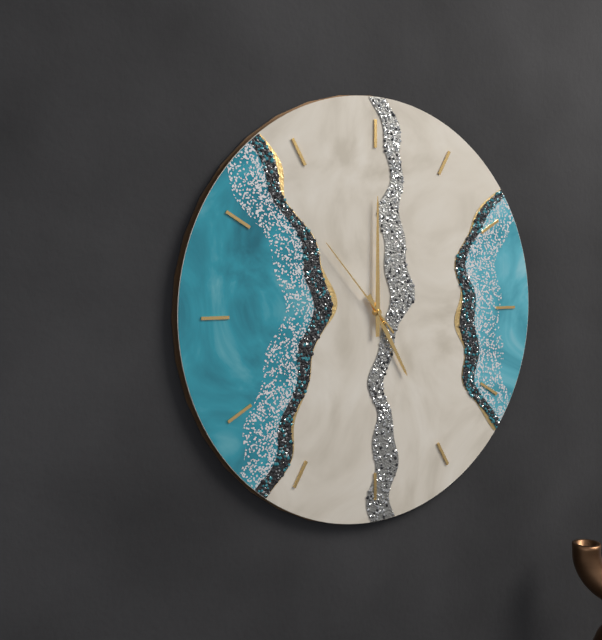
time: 5:00:53
